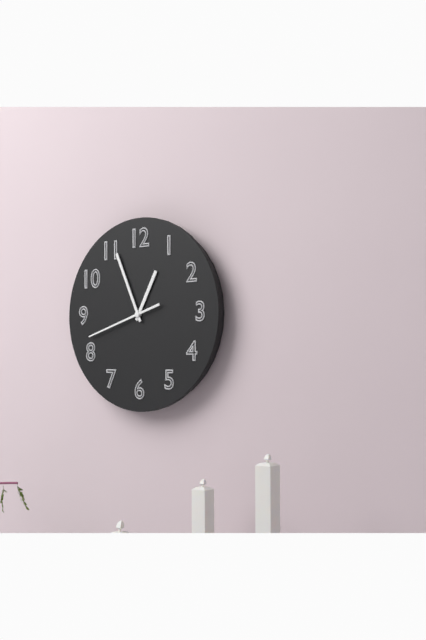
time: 12:56:42
